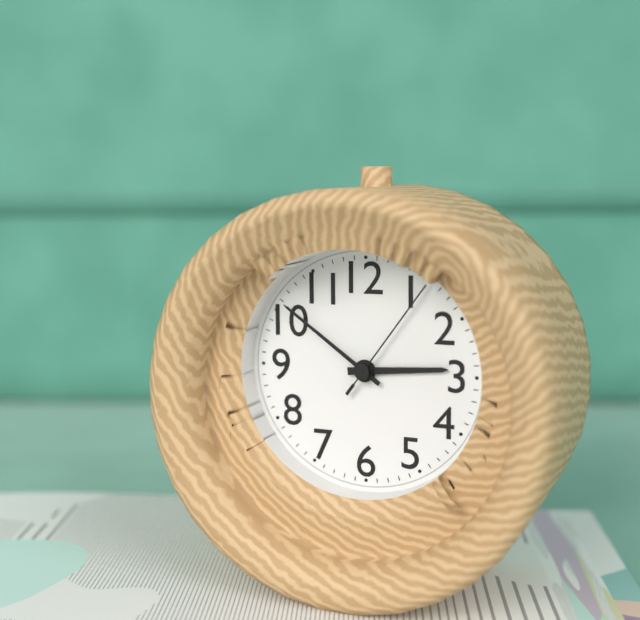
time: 2:51:06
